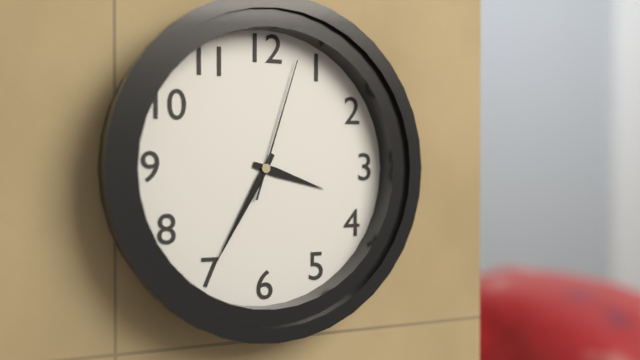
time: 3:35:03
